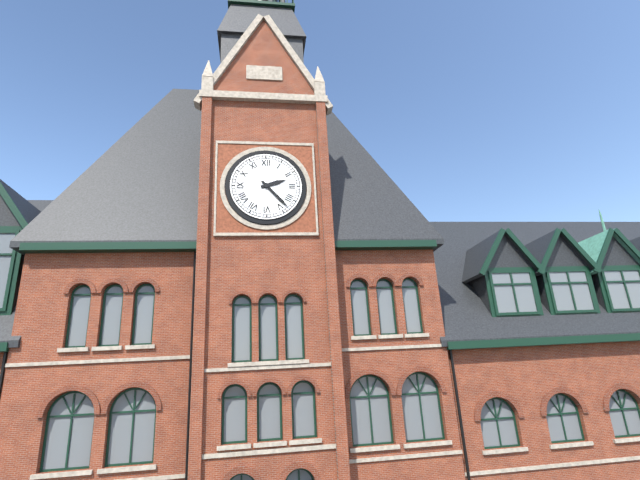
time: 2:23
